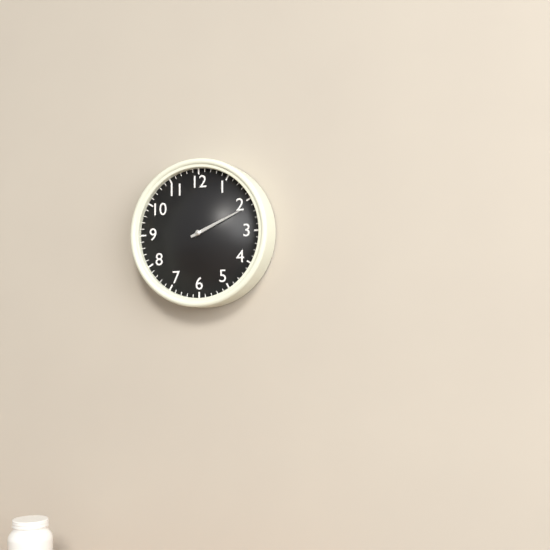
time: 2:11
